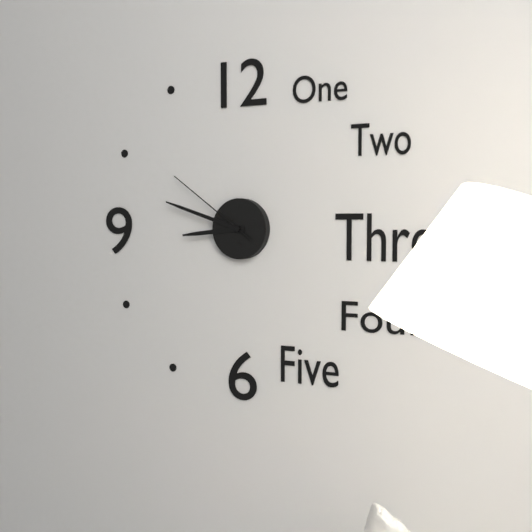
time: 8:48:51
